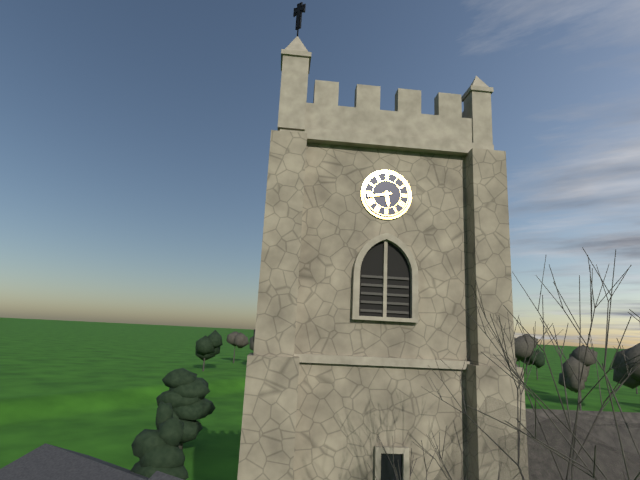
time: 5:43
